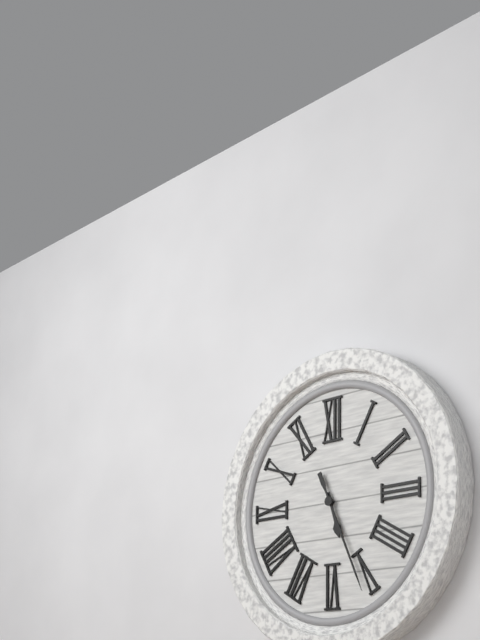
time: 5:26
